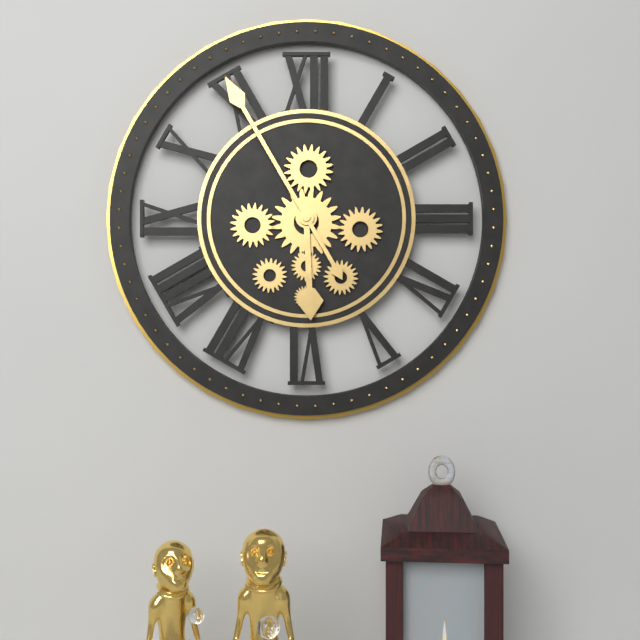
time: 5:55
